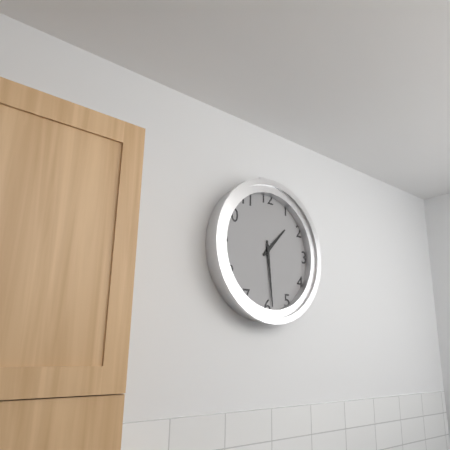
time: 1:29
